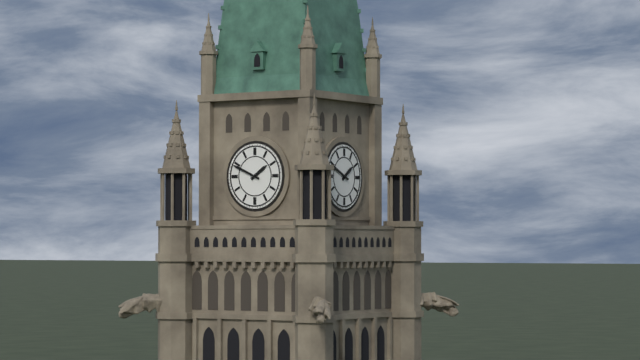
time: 1:49
